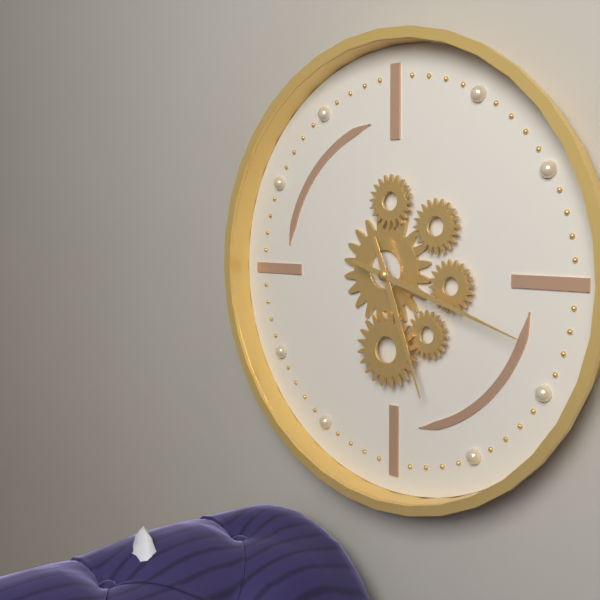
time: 5:18
